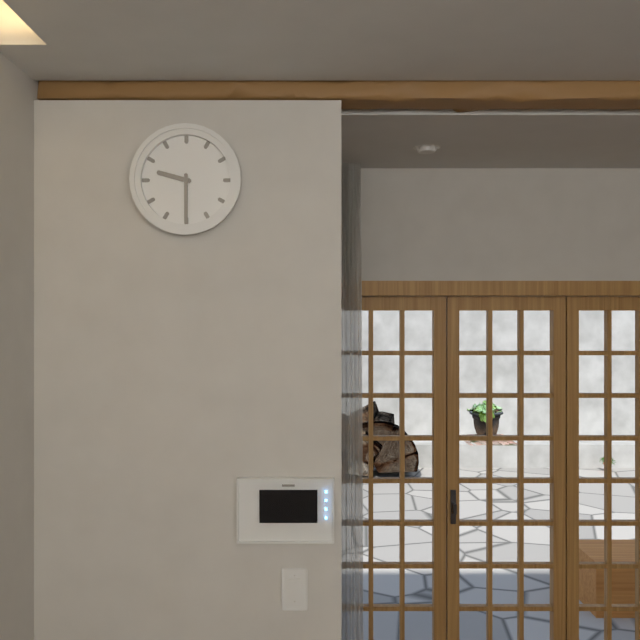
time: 9:30
